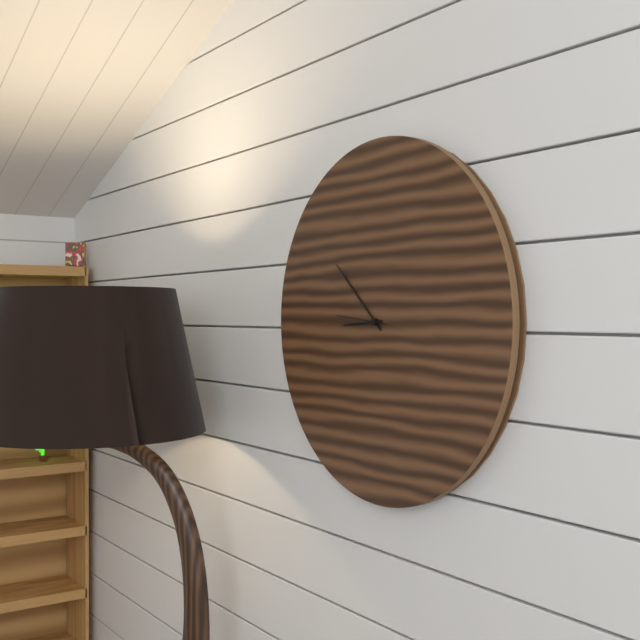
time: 8:52:46
